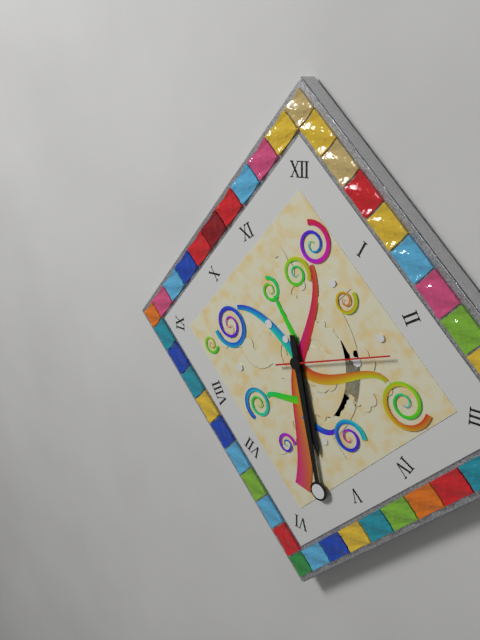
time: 5:28:12
